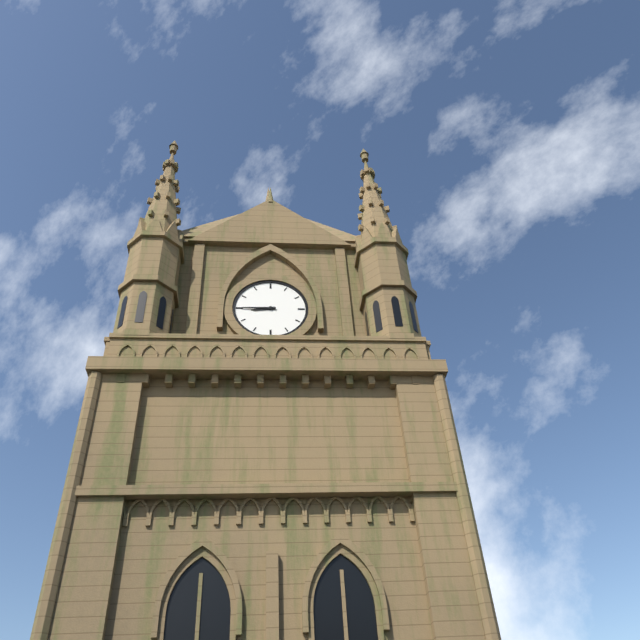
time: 8:45
